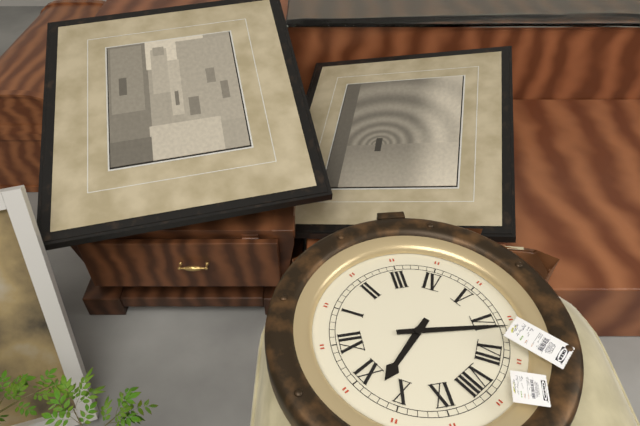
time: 10:31
